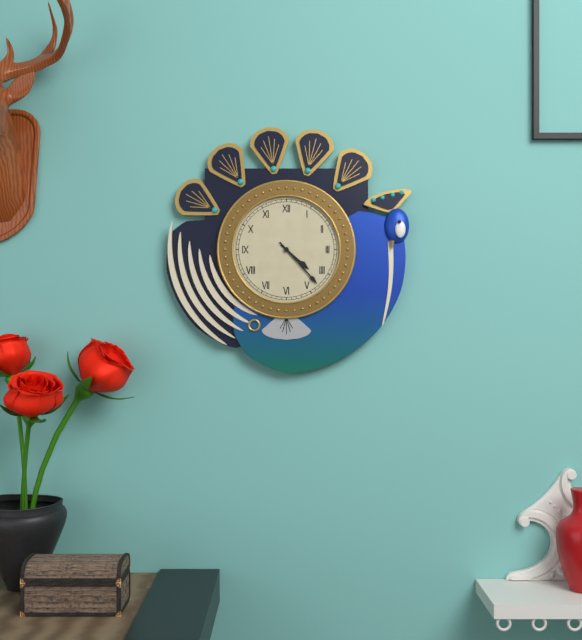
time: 4:23
